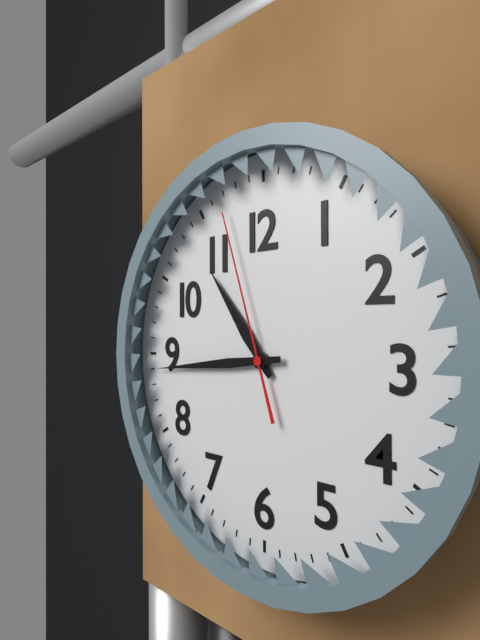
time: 10:44:57
